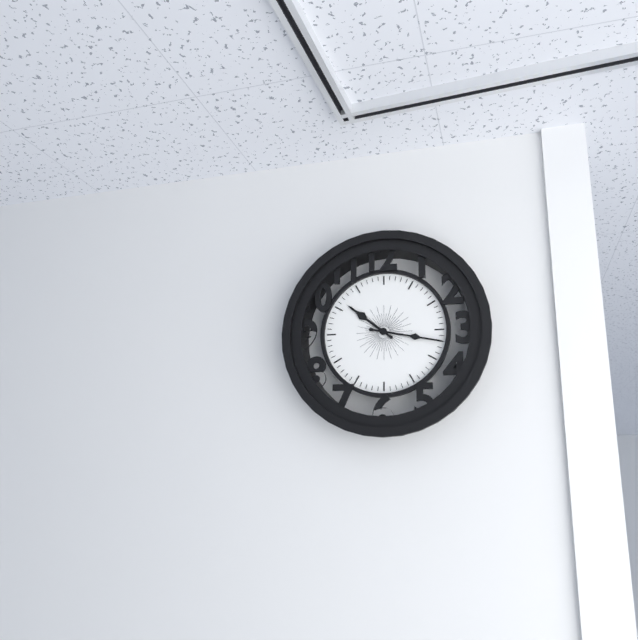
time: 10:17
